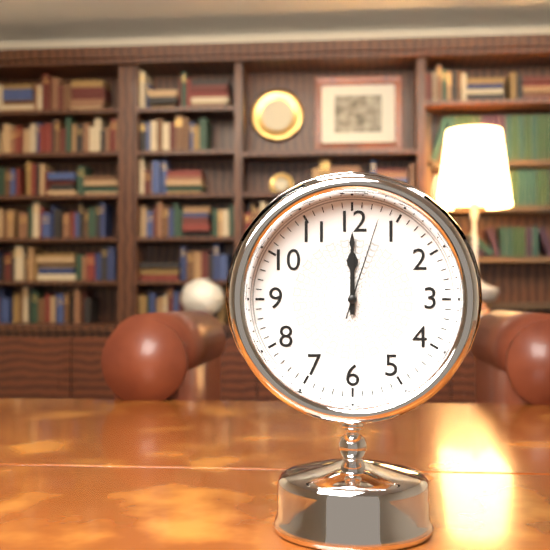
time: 12:00:03
